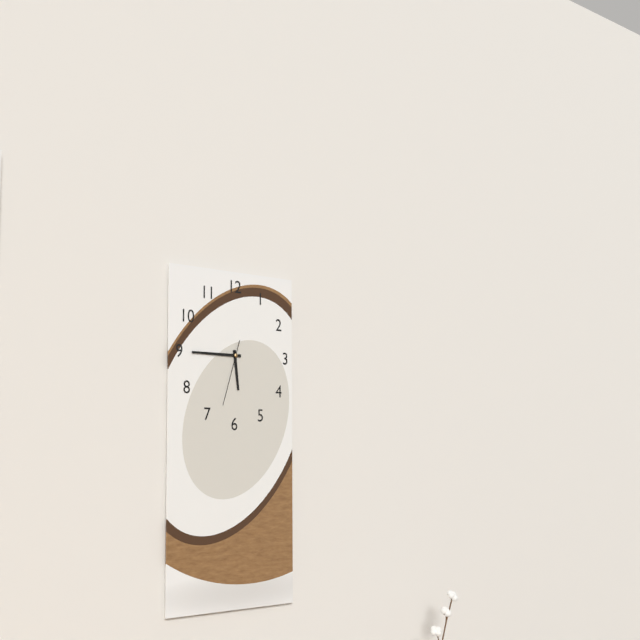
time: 5:45:33
